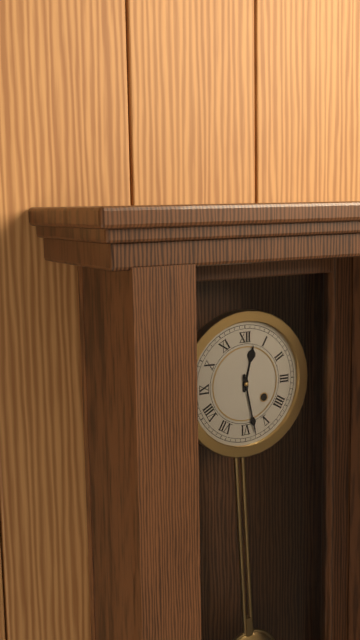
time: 12:28
